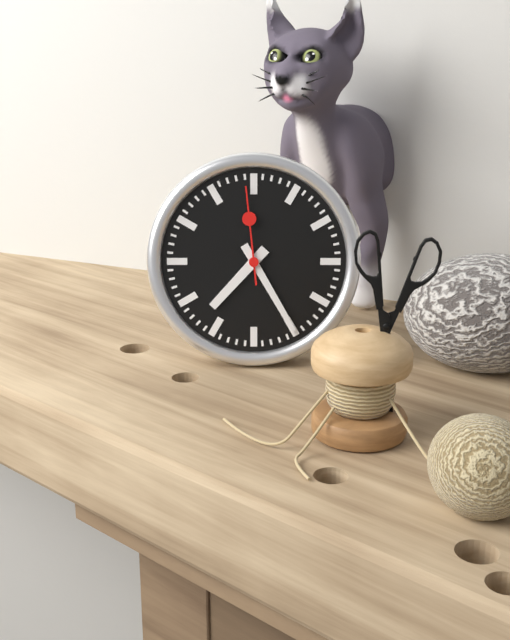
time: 7:25:59
